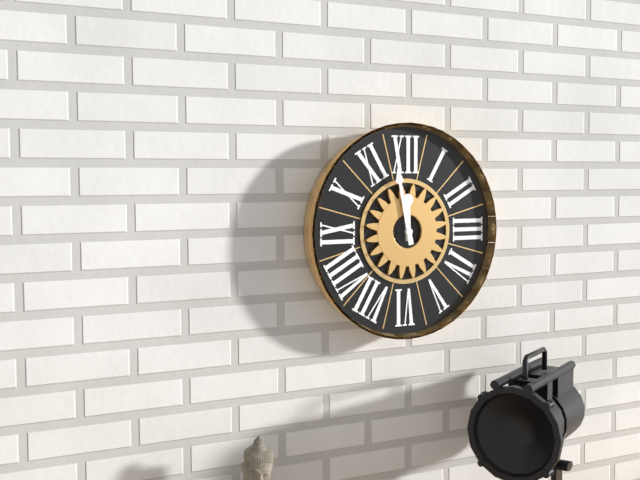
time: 11:58
